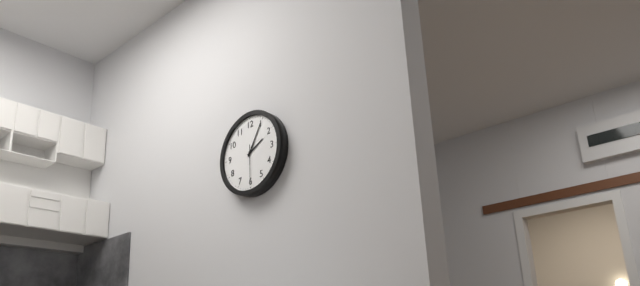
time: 2:05
